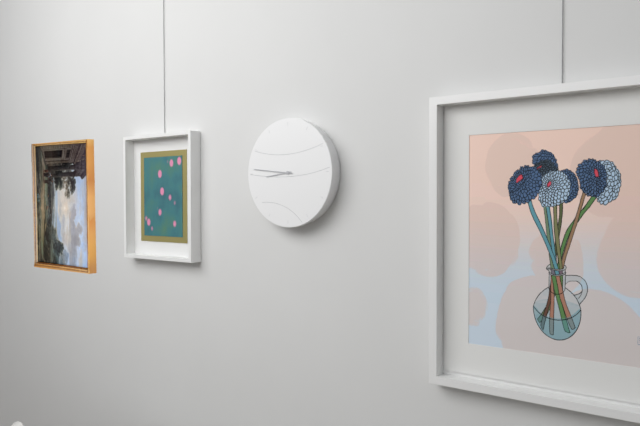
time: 8:46
